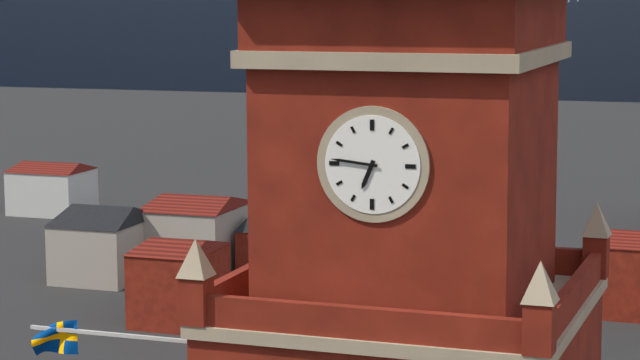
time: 6:46
